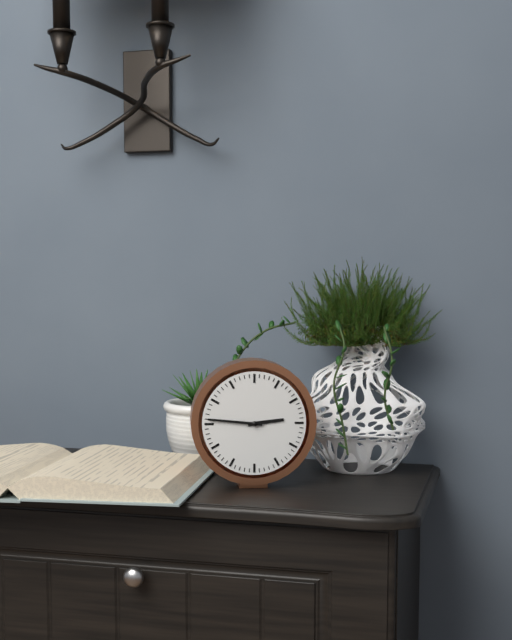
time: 2:46
